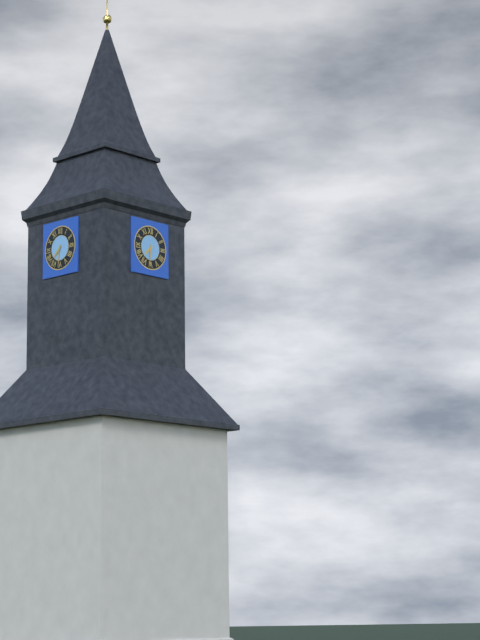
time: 7:31
